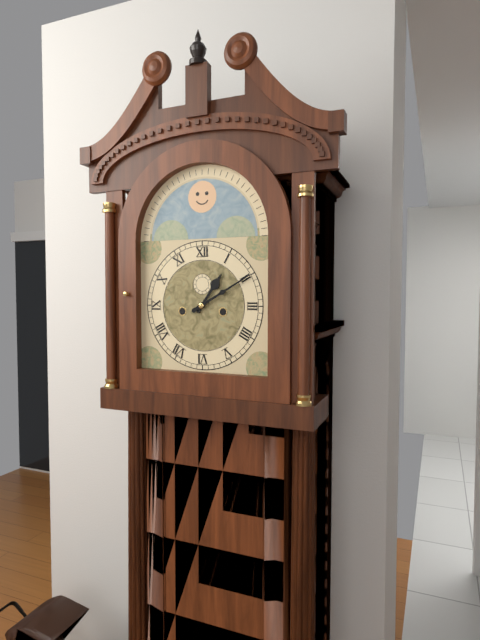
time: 1:10
